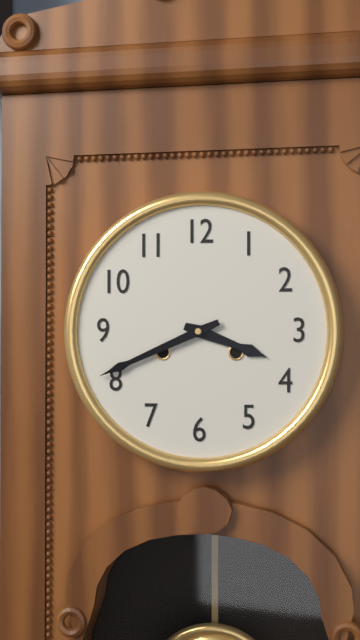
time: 3:41
